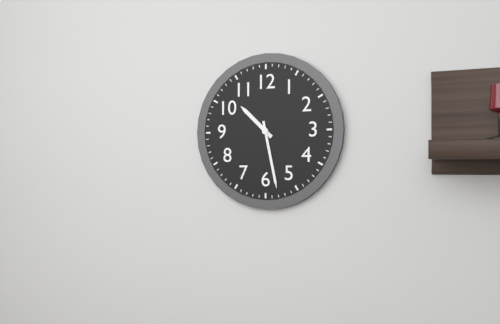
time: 10:28
